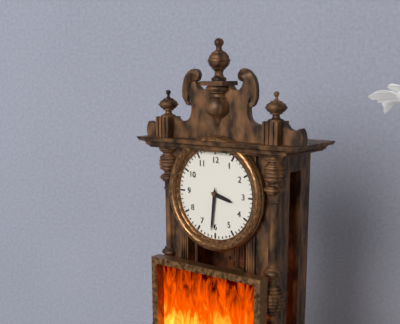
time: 3:31
